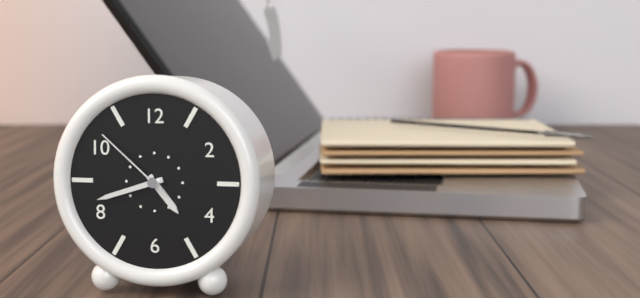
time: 4:42:52
